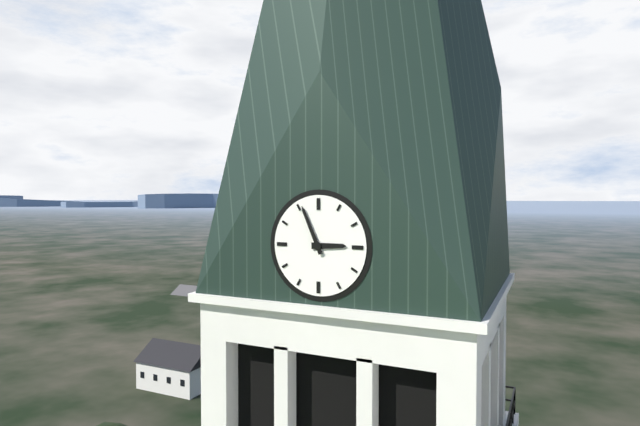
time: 2:56
